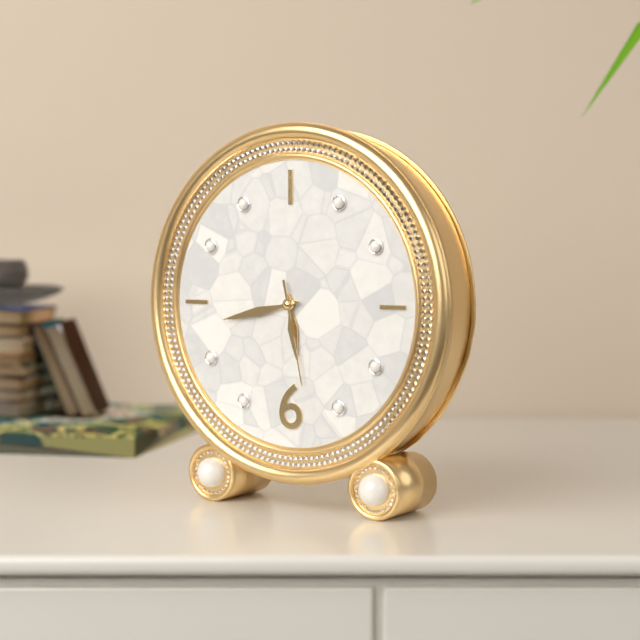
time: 5:43:28
